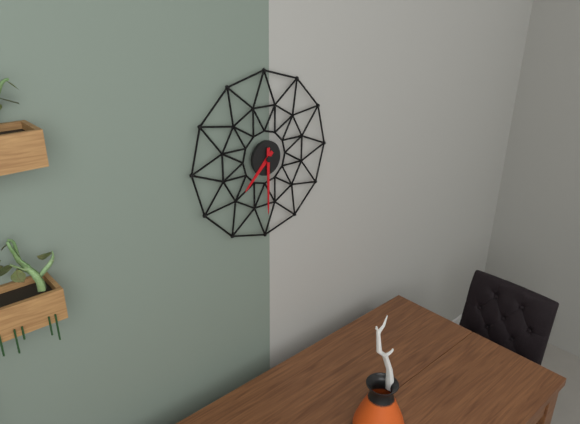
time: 7:30
